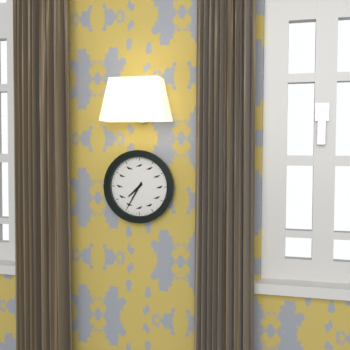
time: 7:35
